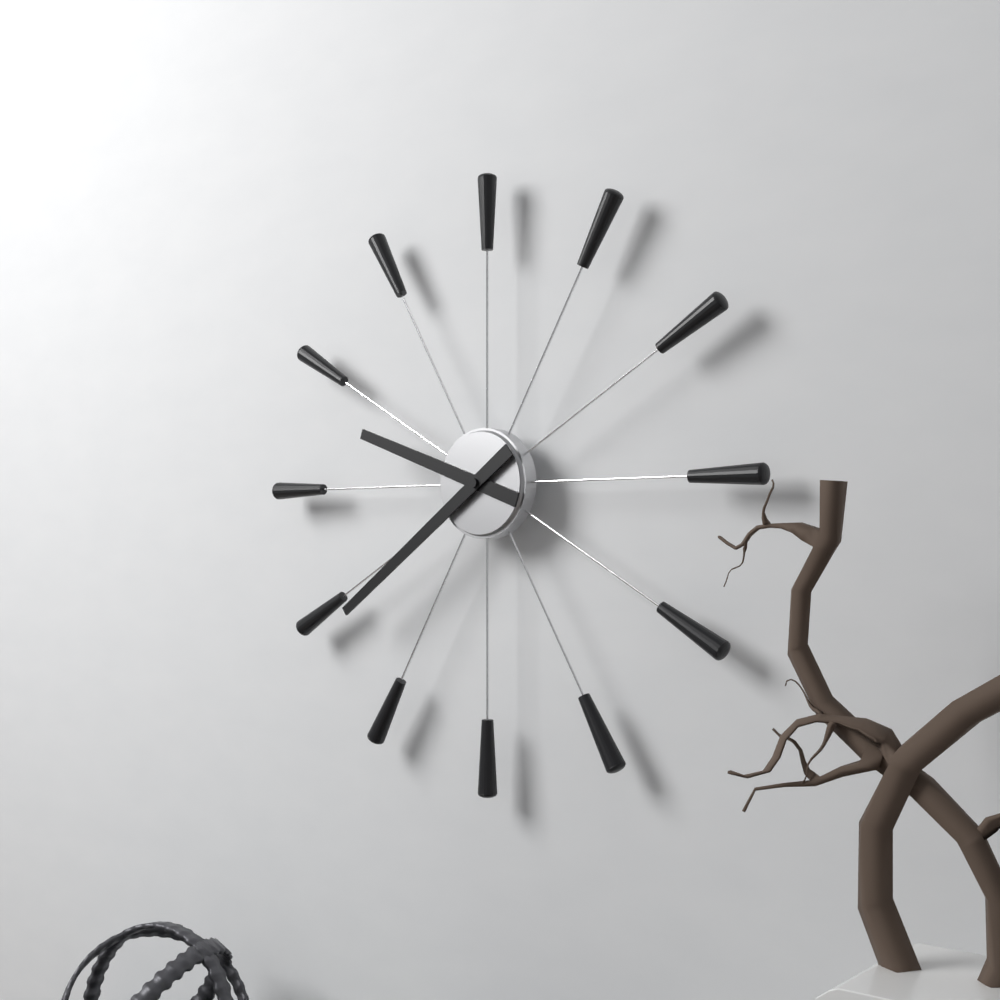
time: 9:39
